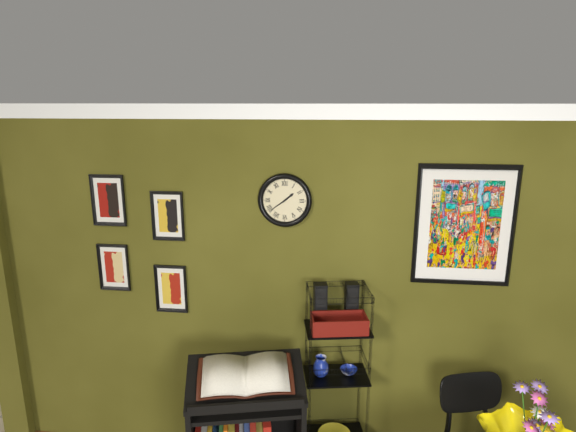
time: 1:39
